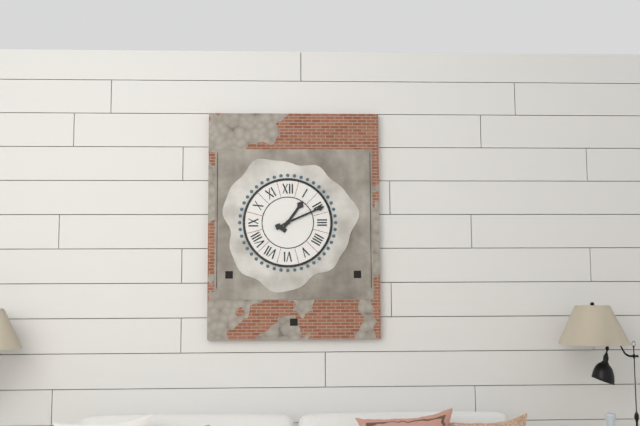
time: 1:11
